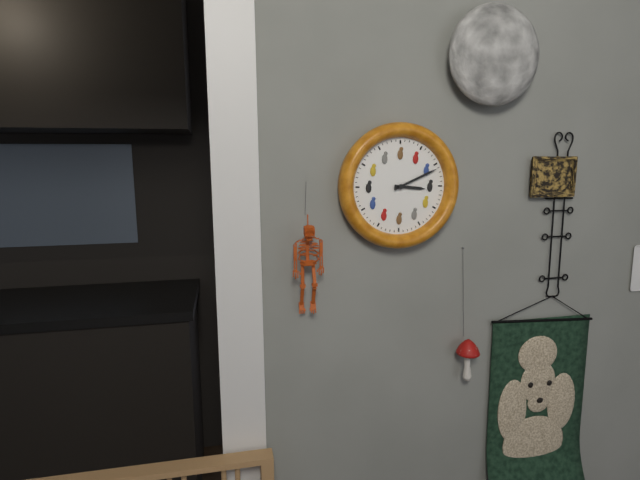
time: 3:11
